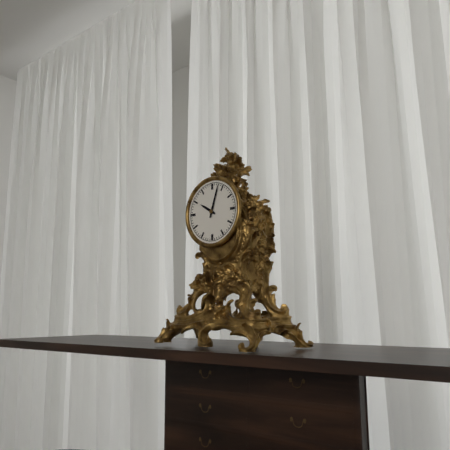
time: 10:03
